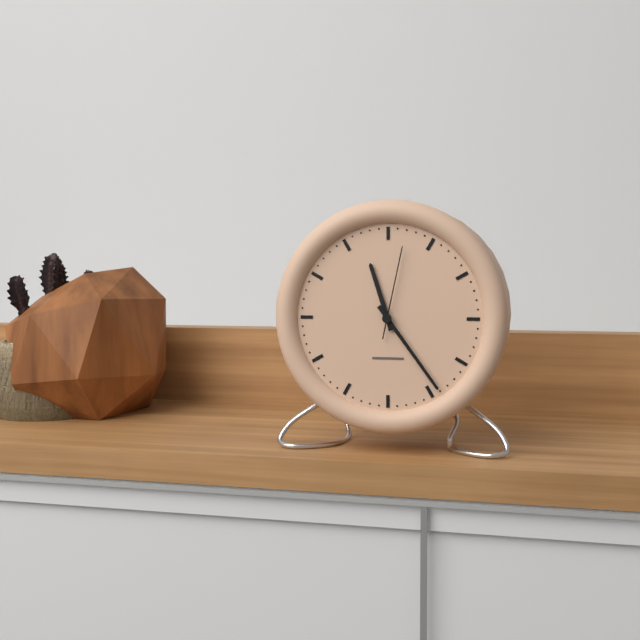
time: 11:24:02
